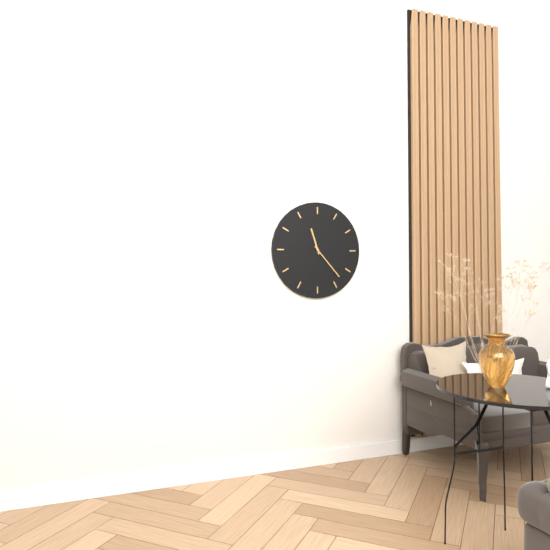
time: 11:23
